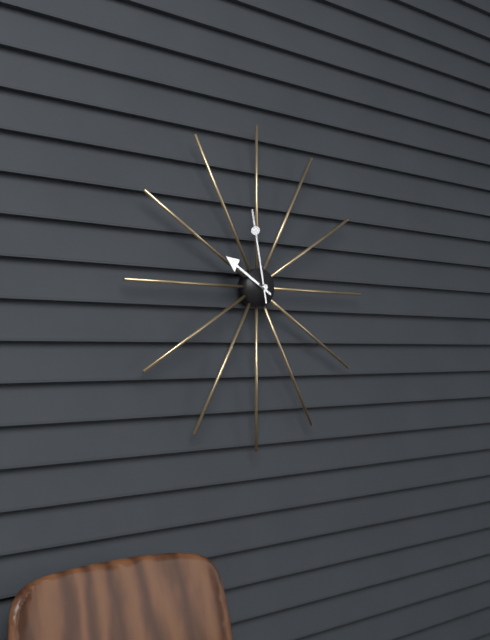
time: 9:58
